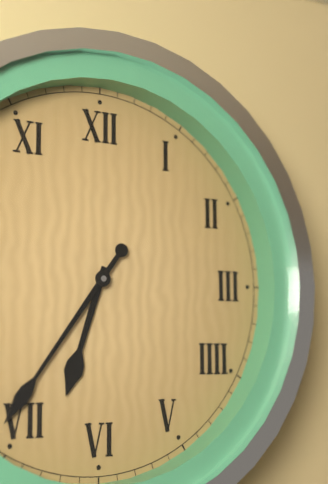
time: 6:36
